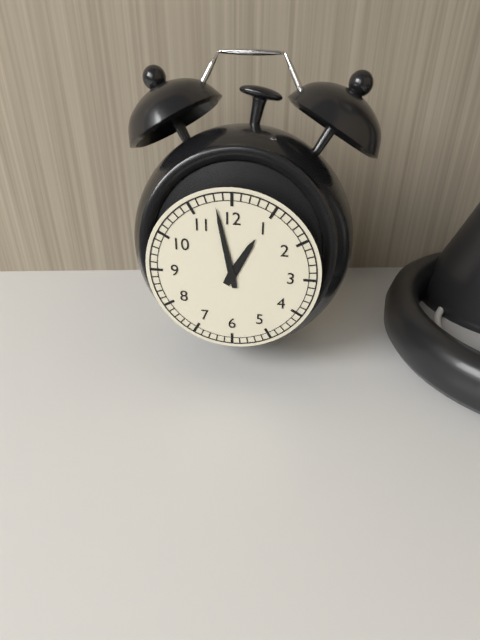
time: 12:58
